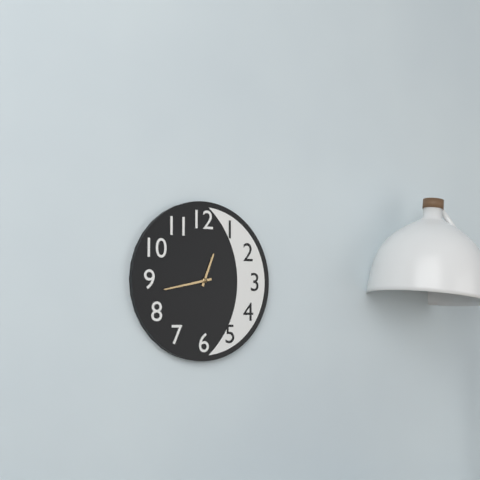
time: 12:43
